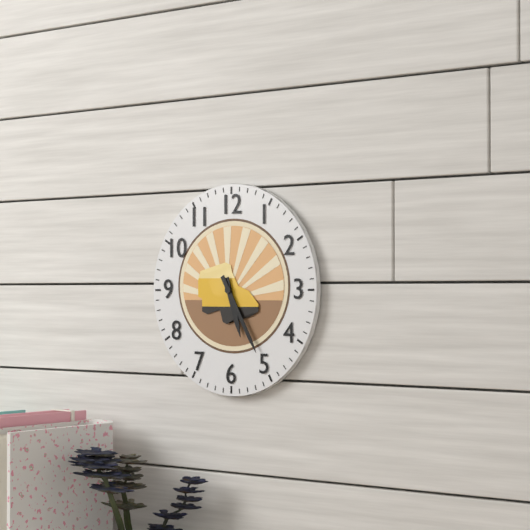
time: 5:25
